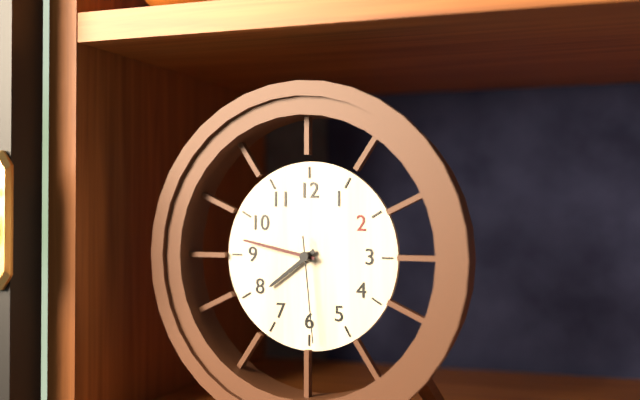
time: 7:47:29
